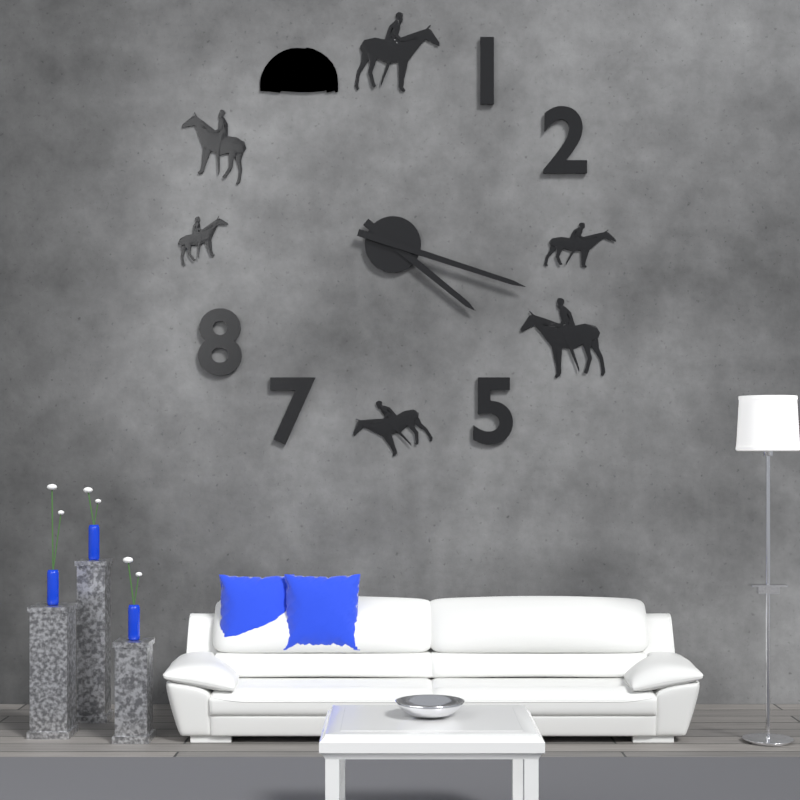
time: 4:18
